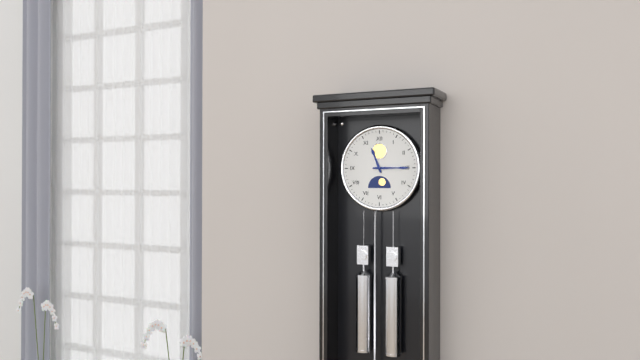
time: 11:15
